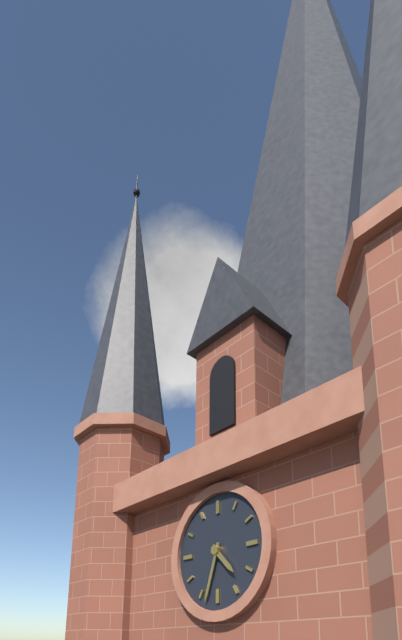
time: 4:33
